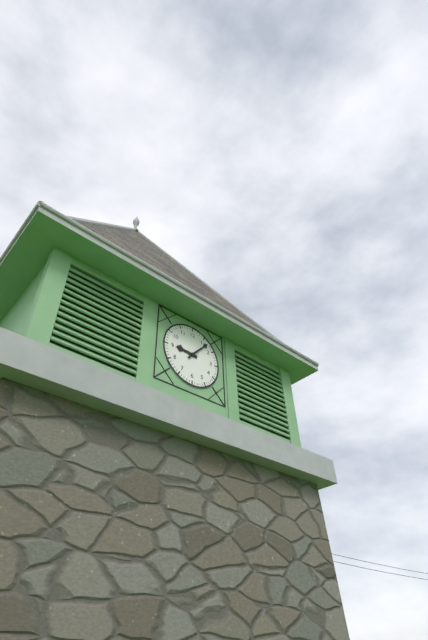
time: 9:07
